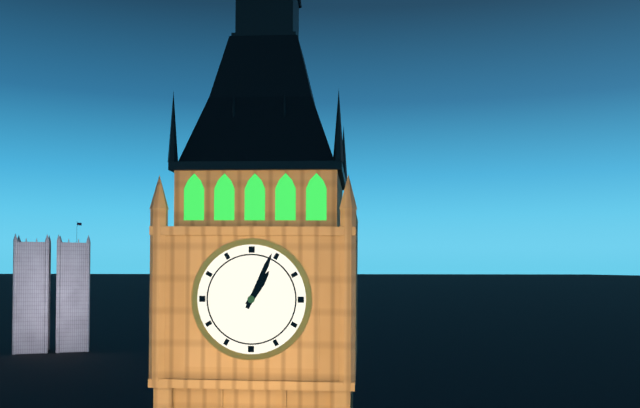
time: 1:04
